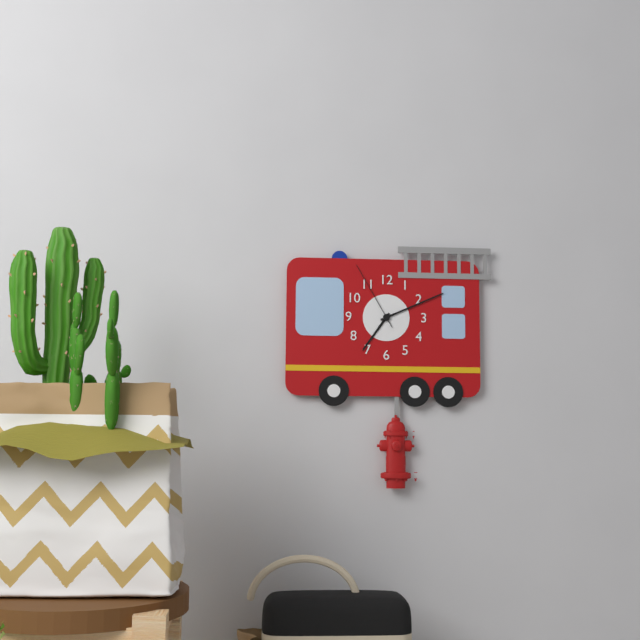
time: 7:11:55
